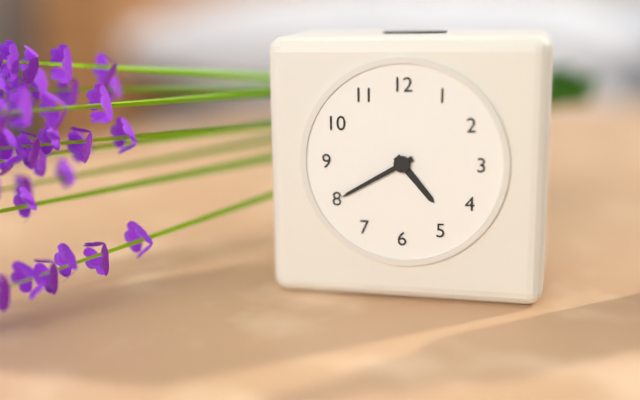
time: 4:40
